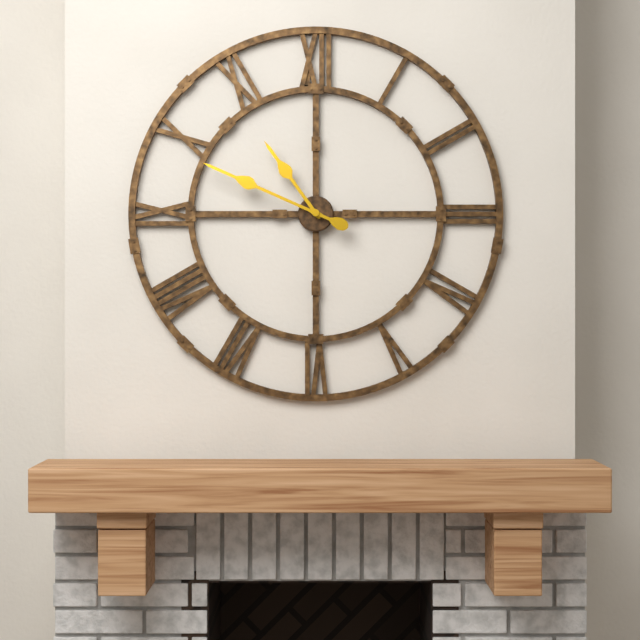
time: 10:49
